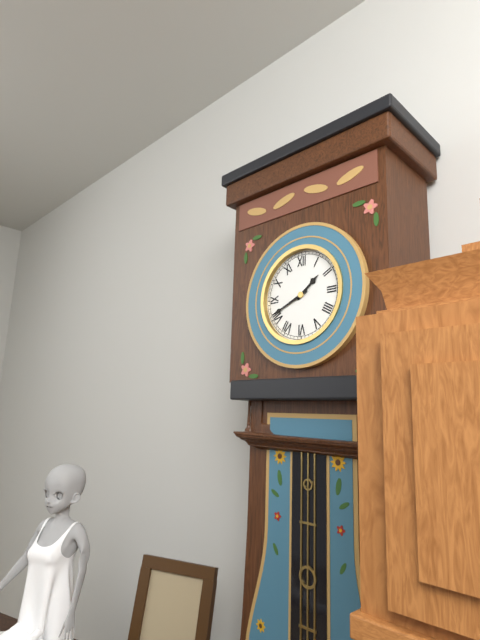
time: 1:41
